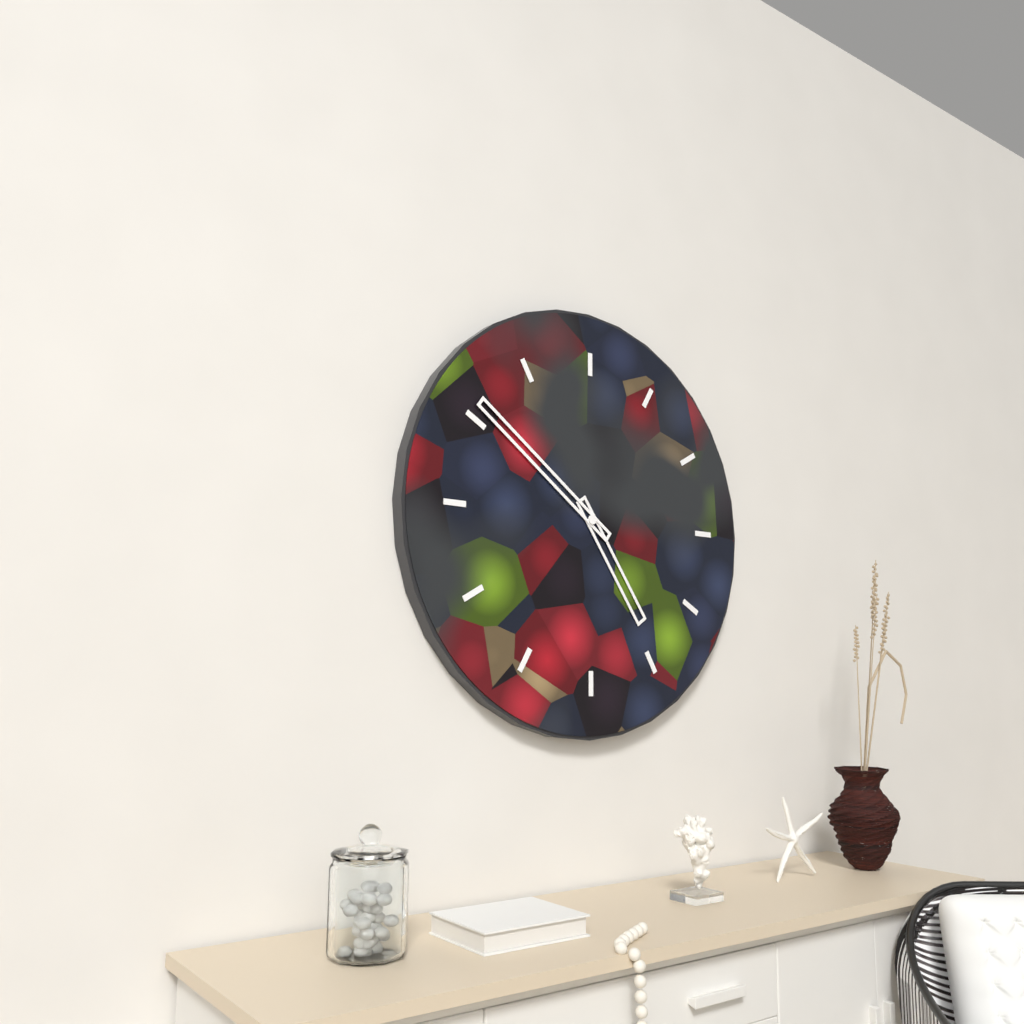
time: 4:51
